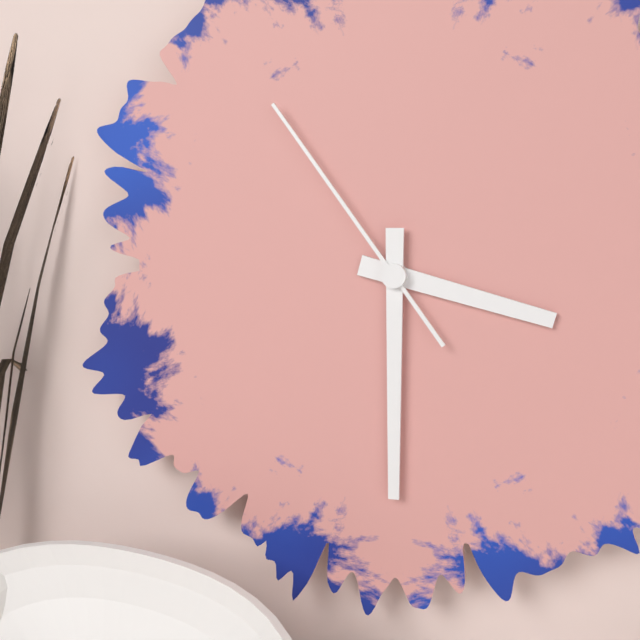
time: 3:30:54
